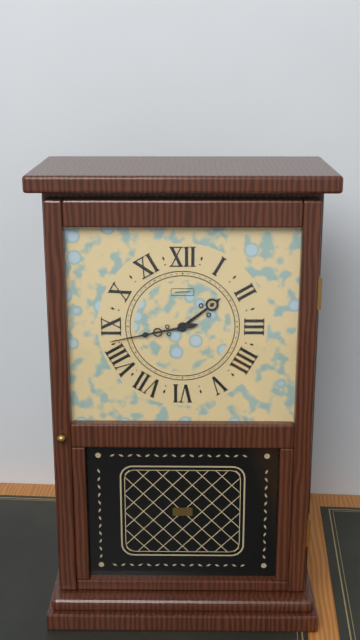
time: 1:43
